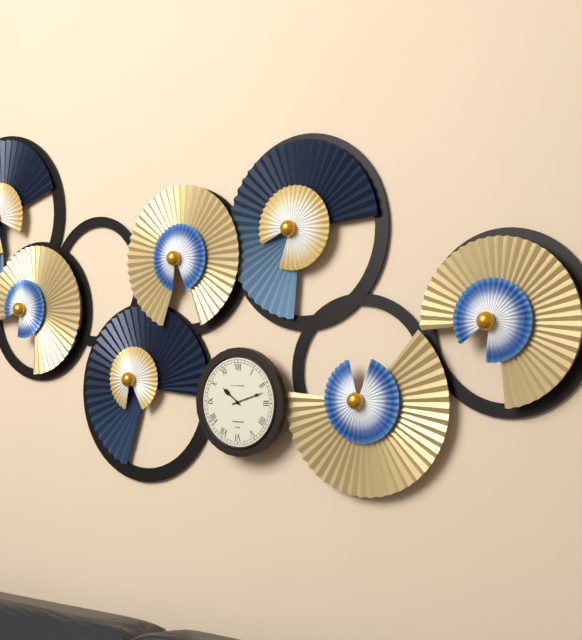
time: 10:12
